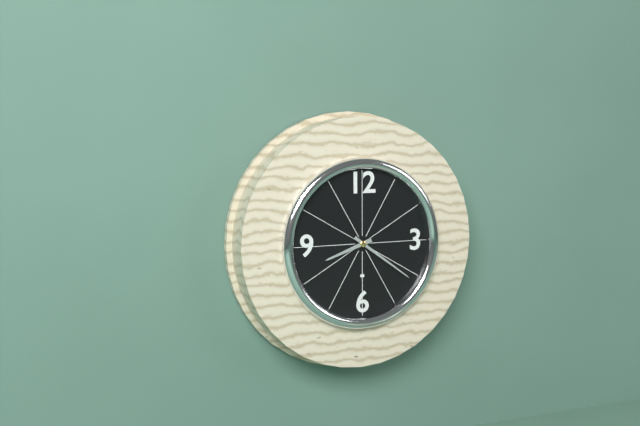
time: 8:21
